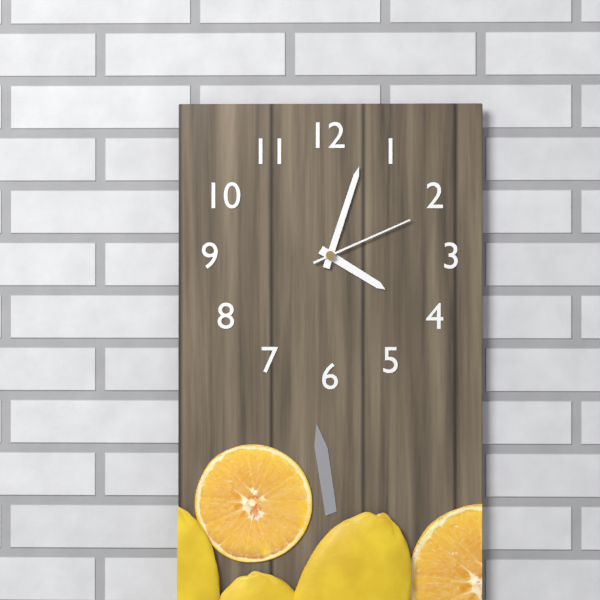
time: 4:03:11
